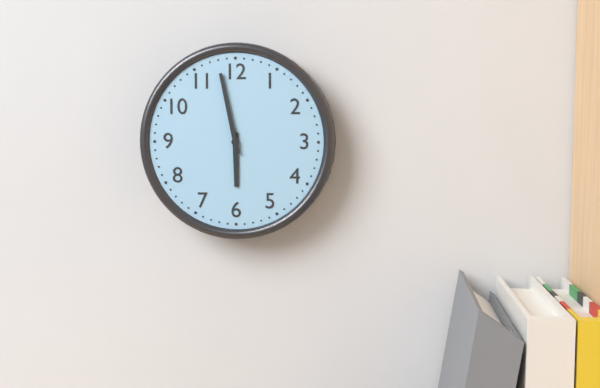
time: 5:58
